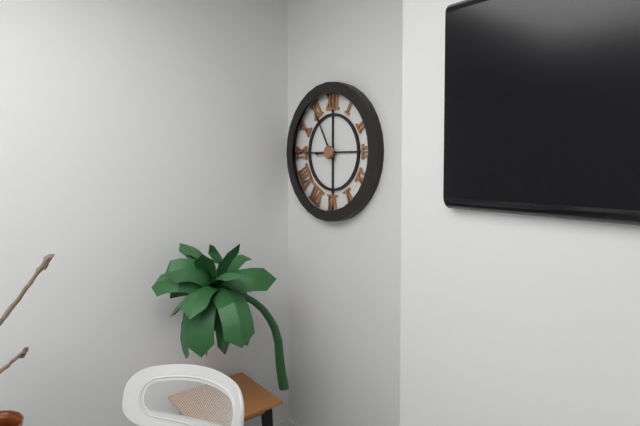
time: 8:55
